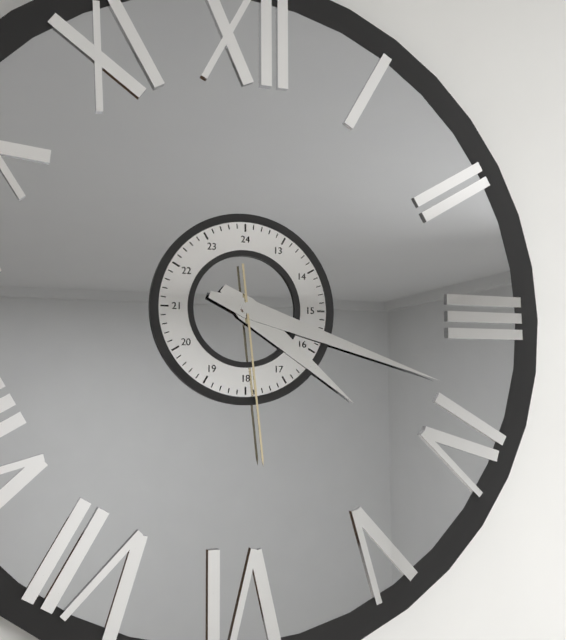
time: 4:18:29
